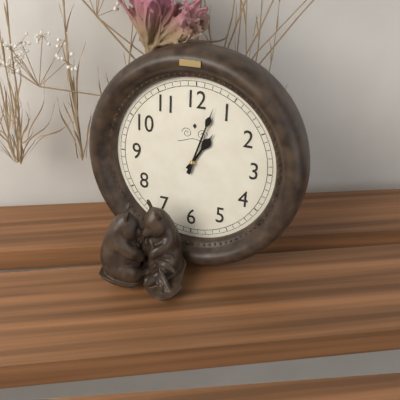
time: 1:03
